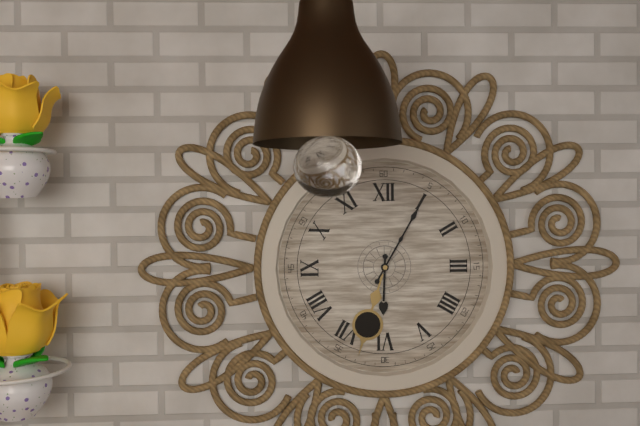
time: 6:05
